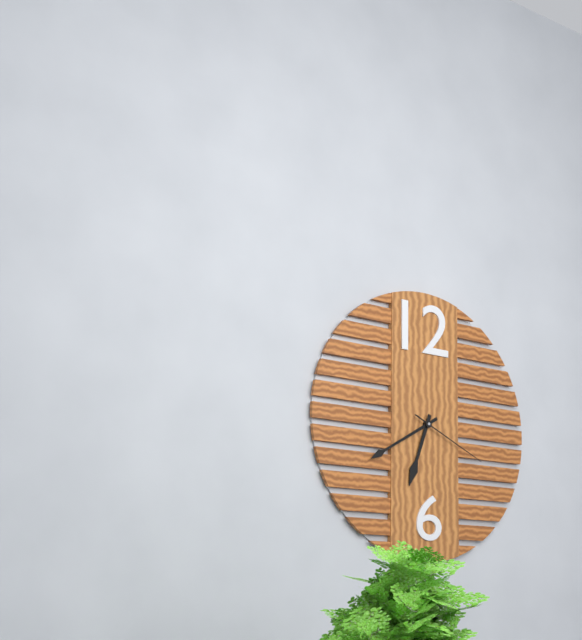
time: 6:40:19
